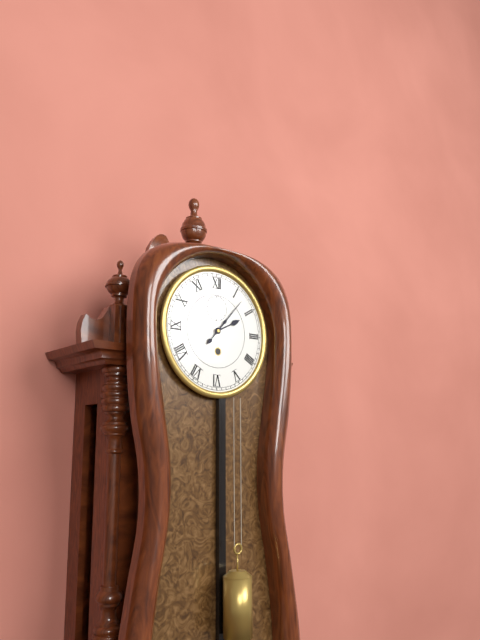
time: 2:07
